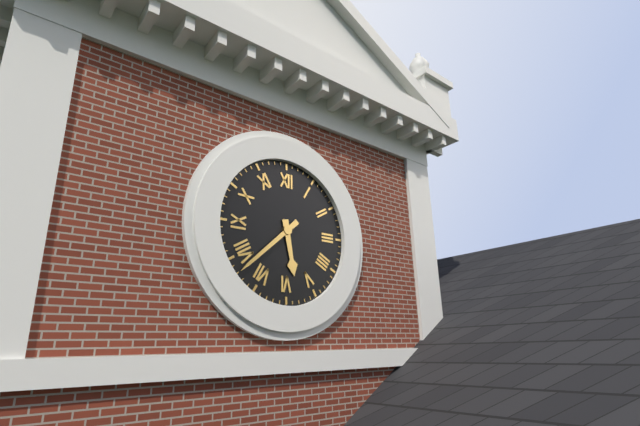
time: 5:38
